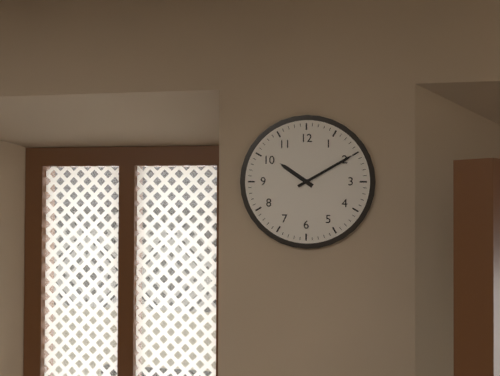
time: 10:10
